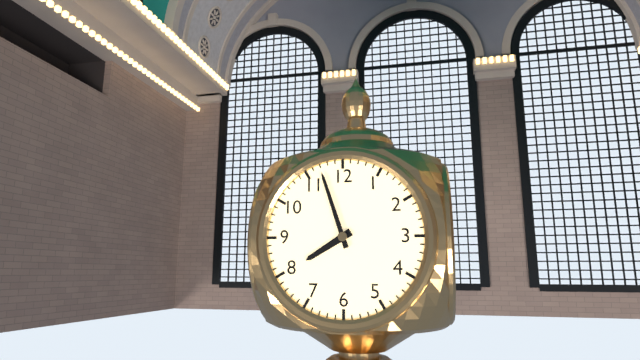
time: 7:57
